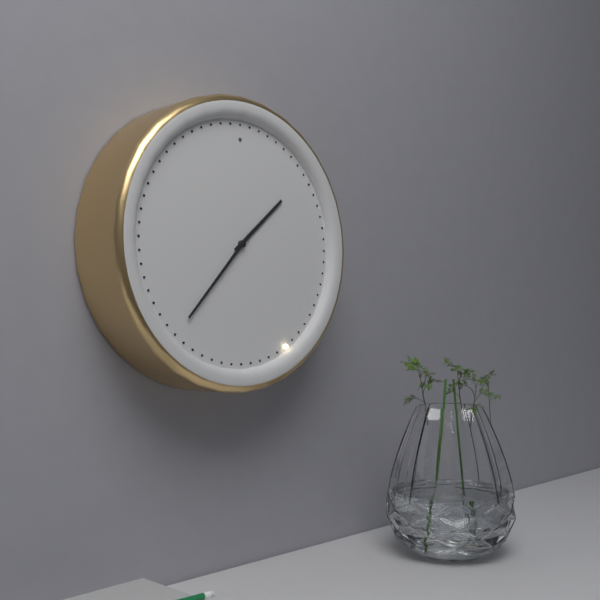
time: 1:37
